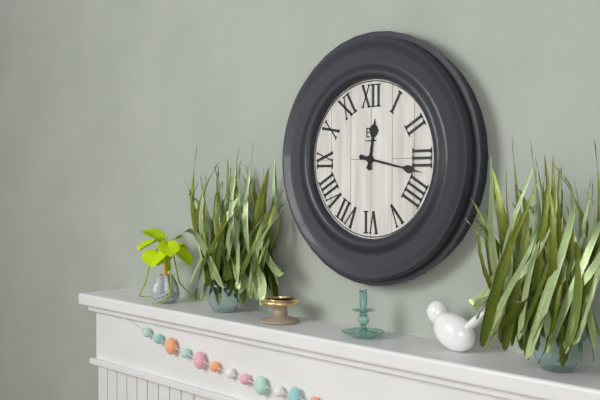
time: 12:17
